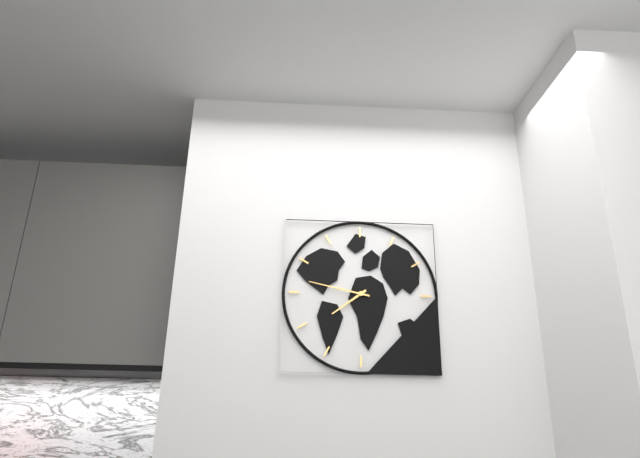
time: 7:47
